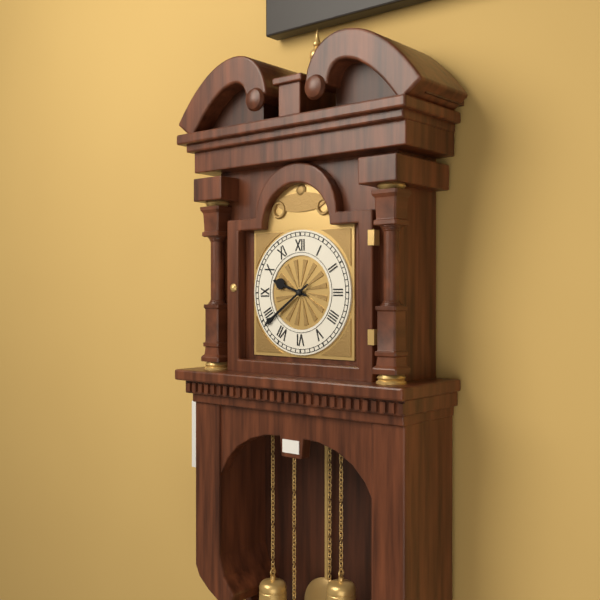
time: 9:39
